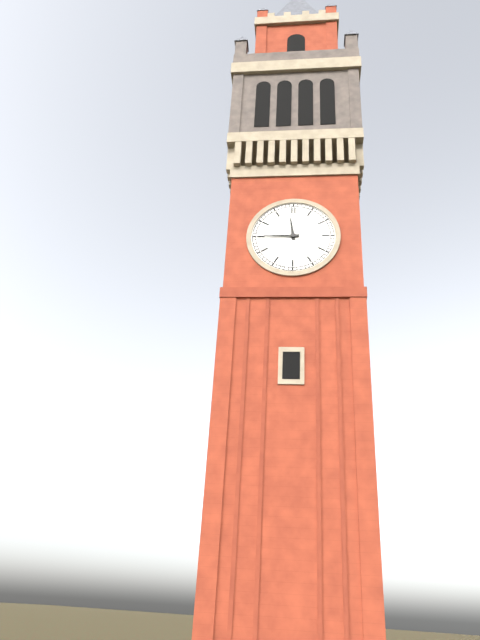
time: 11:45
